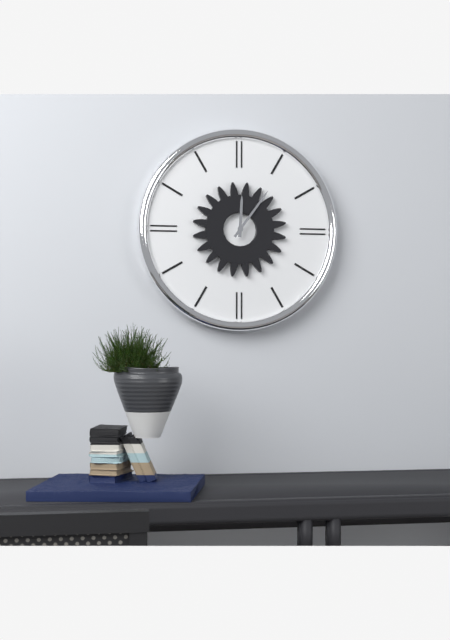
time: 12:06
